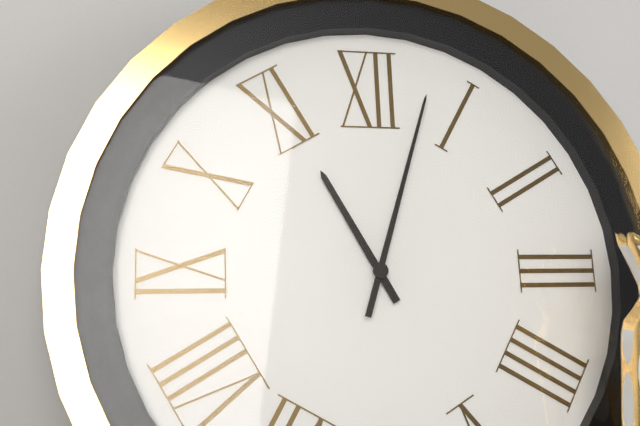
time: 11:03
